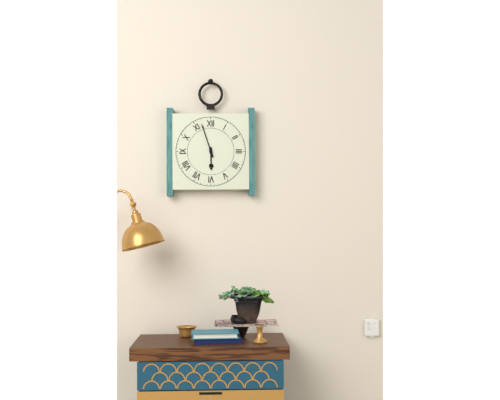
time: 5:57
